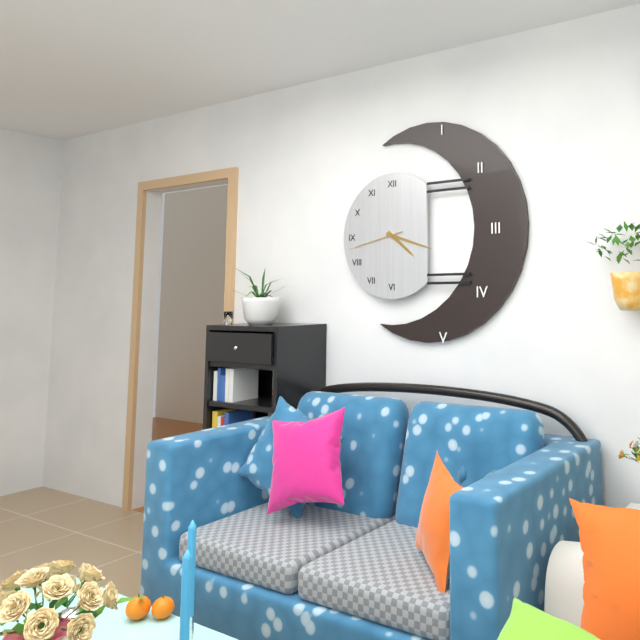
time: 4:18:43
